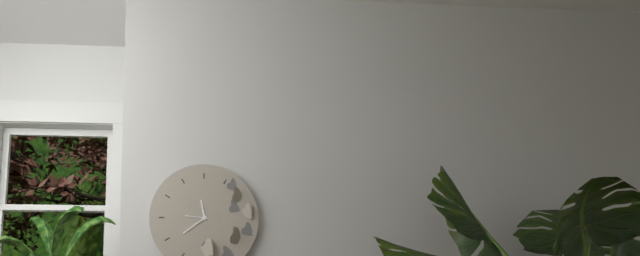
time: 11:39
